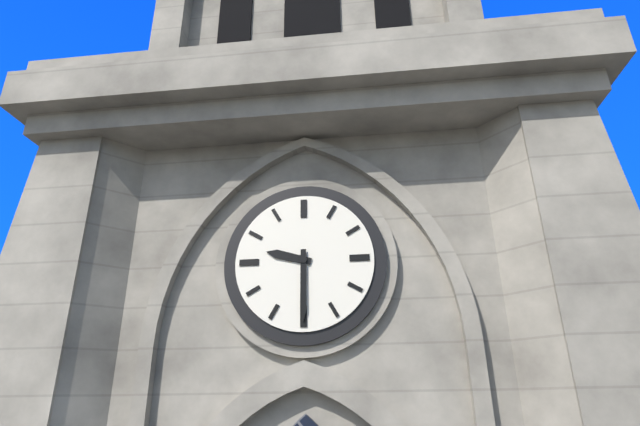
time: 9:30
